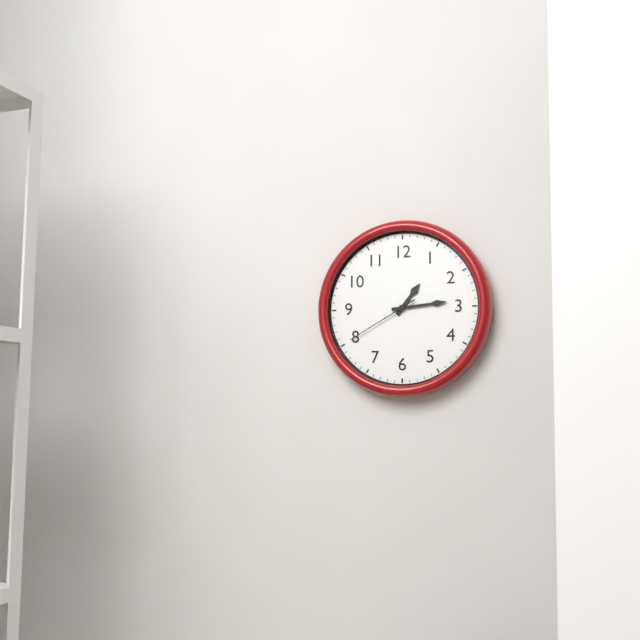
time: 1:14:40
